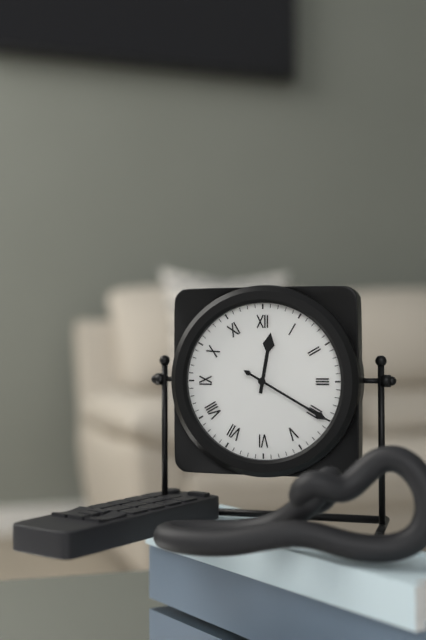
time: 12:20
